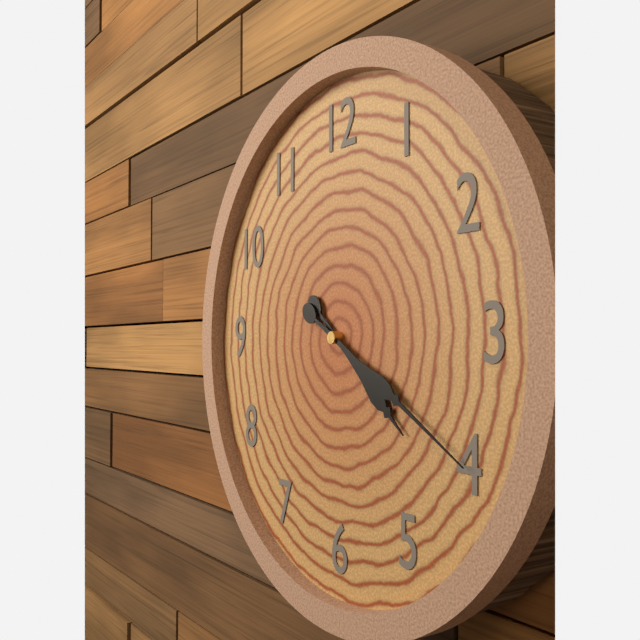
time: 4:20
